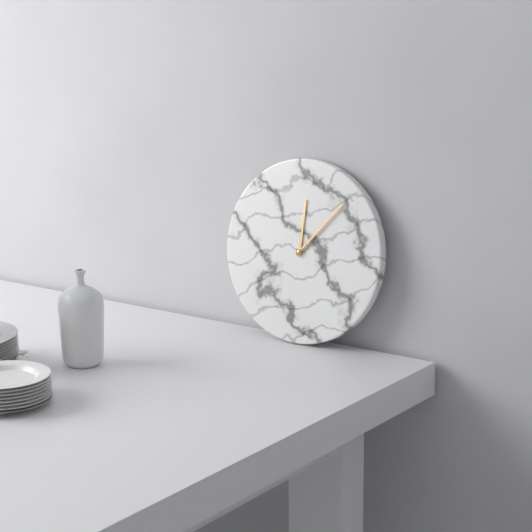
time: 12:07
